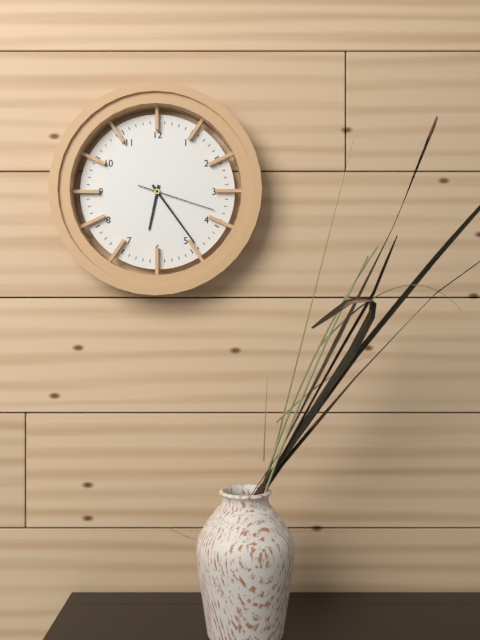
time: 6:24:18
